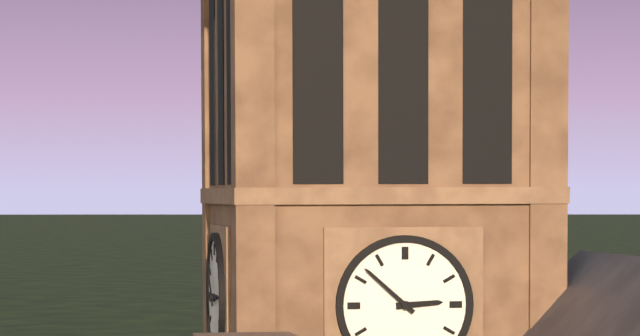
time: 2:52
